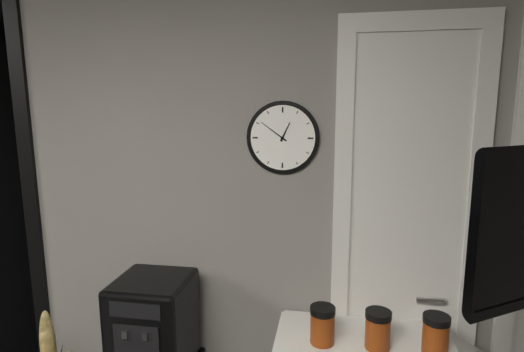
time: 12:51
